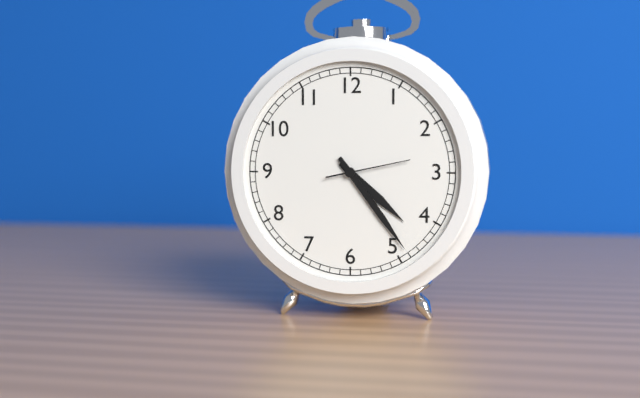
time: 4:24:13
